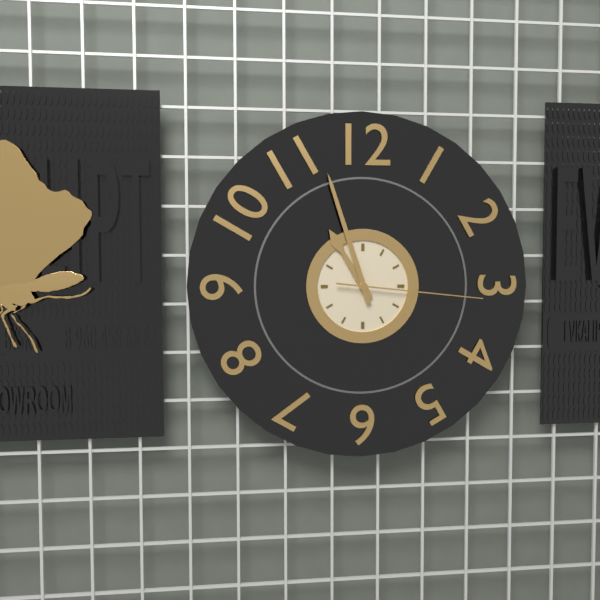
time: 10:57:16
